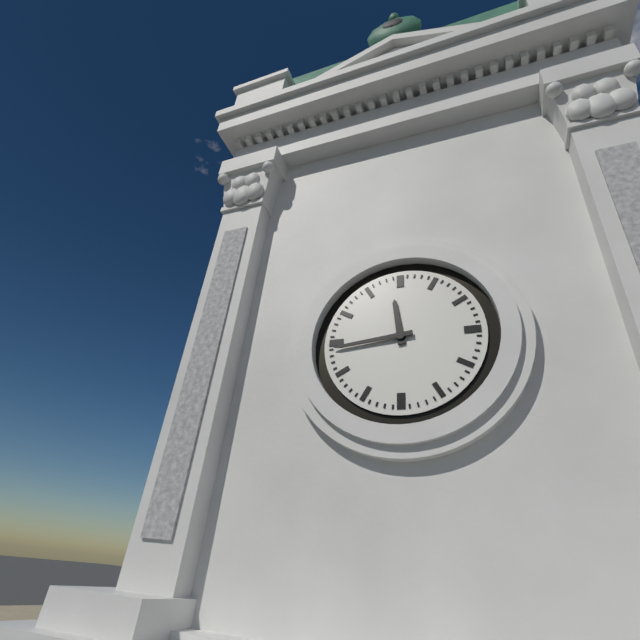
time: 11:44
